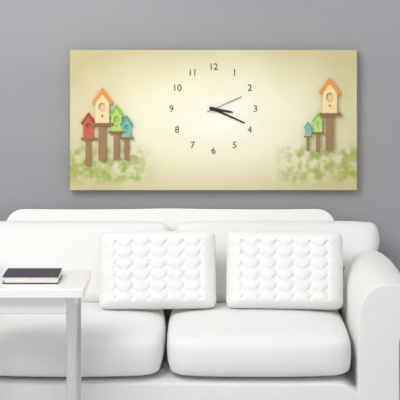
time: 3:19
